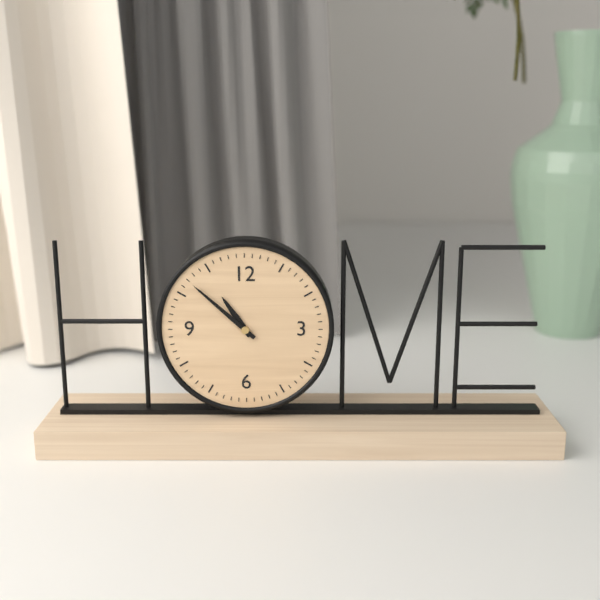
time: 10:52
